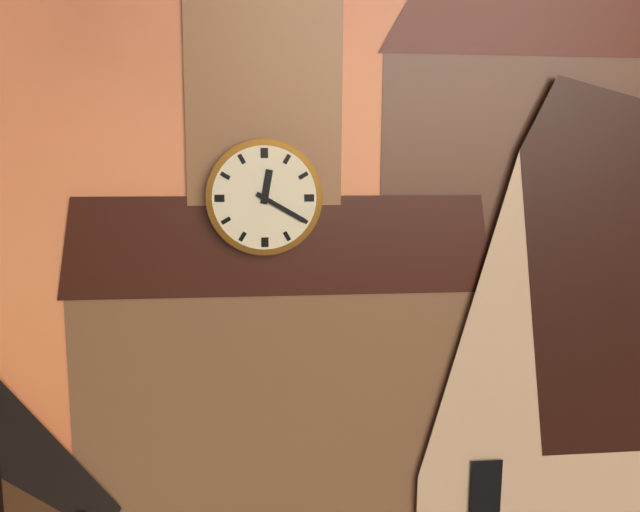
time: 12:20
